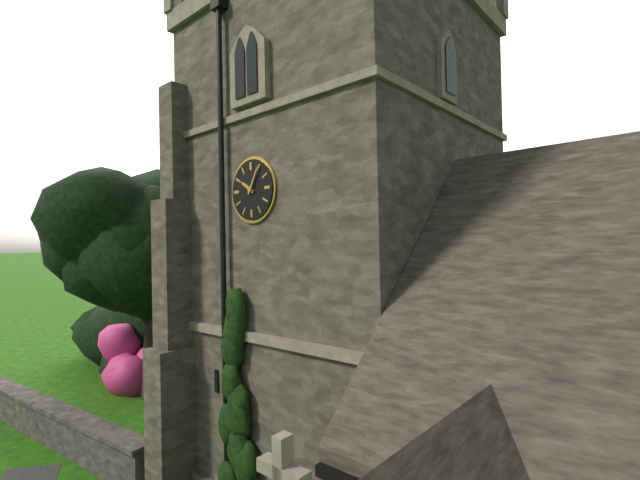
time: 10:05
